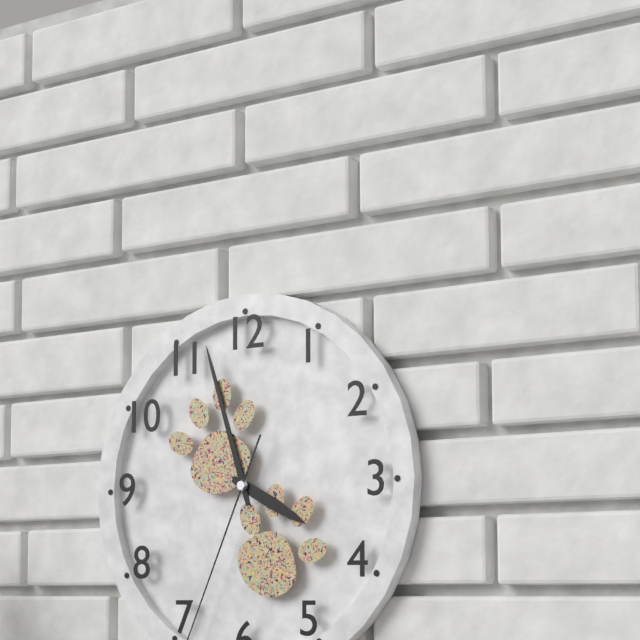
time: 3:57
